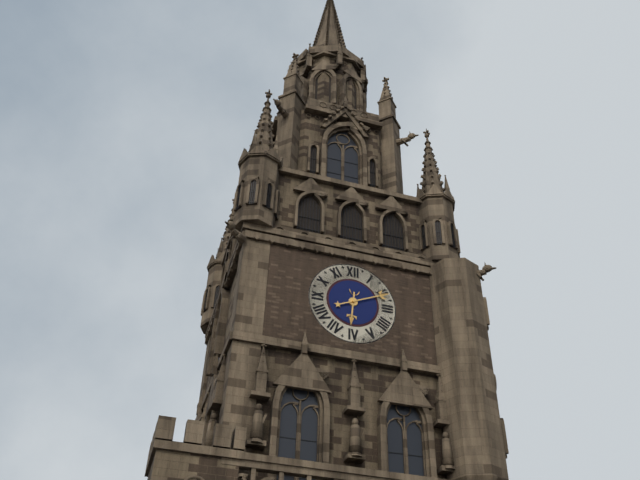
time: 6:11
